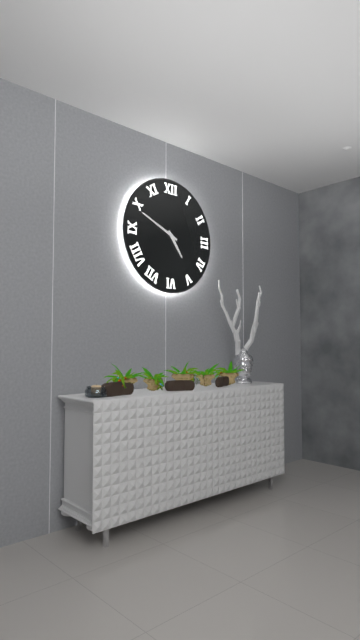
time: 4:49
